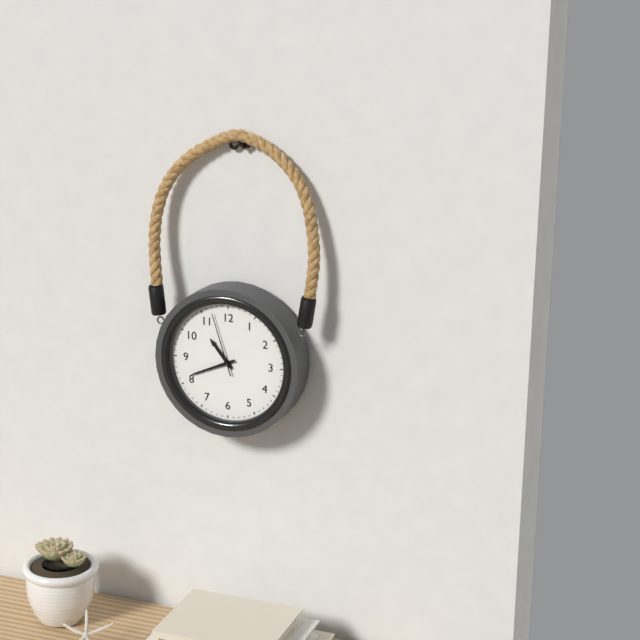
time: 10:41:57
